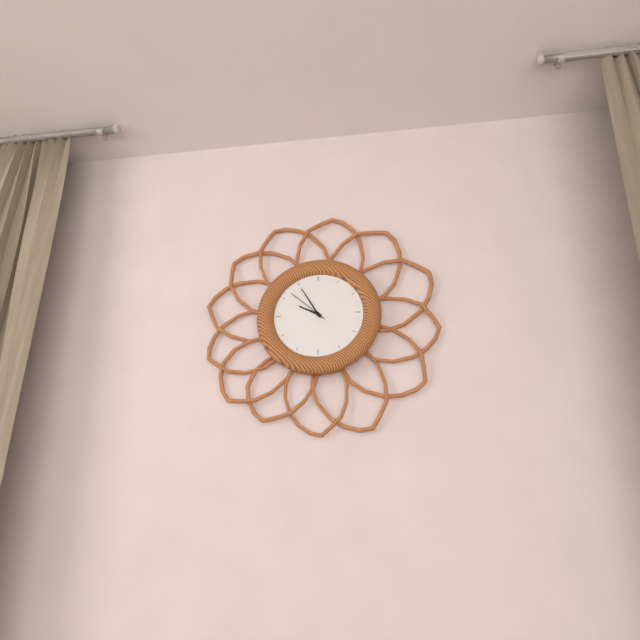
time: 9:55
